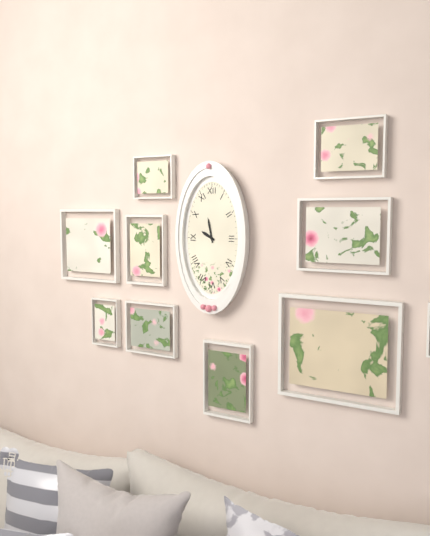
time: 9:58
